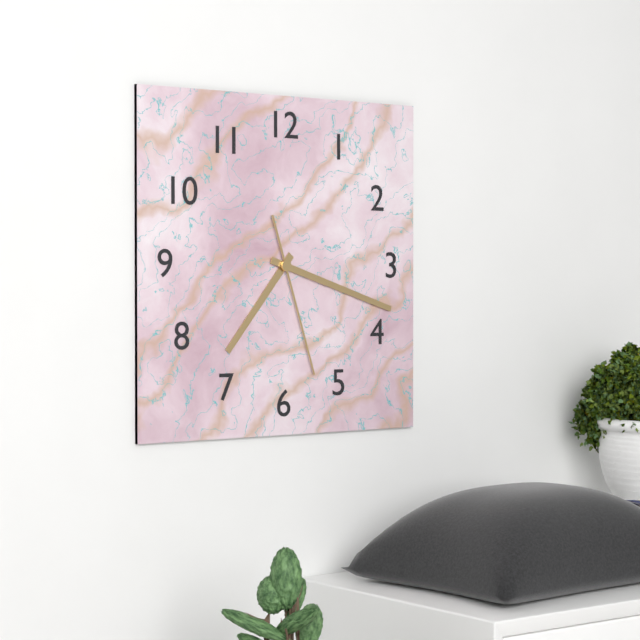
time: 7:18:27
